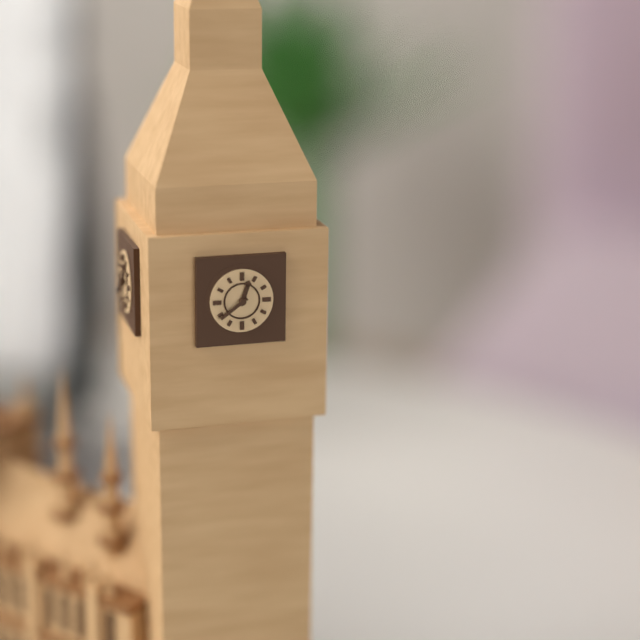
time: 12:39
